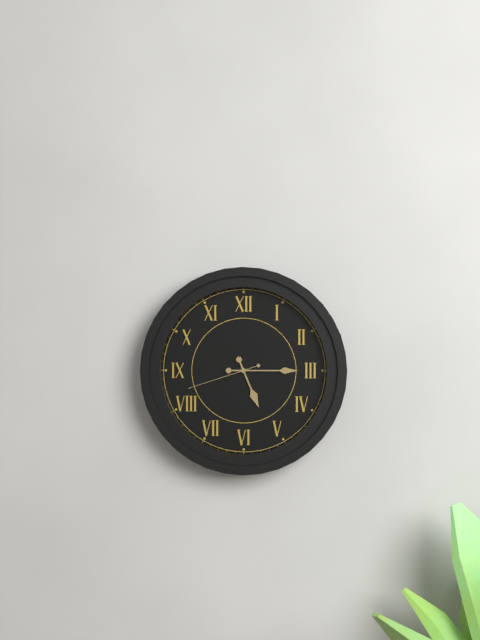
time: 5:15:42
